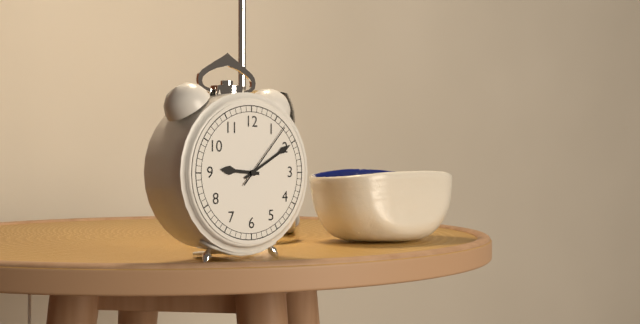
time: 9:10:07
